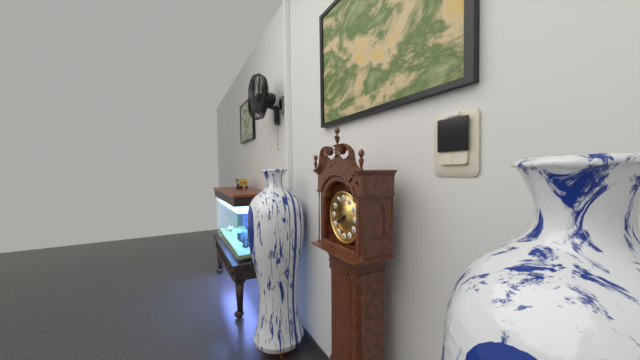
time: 7:55
